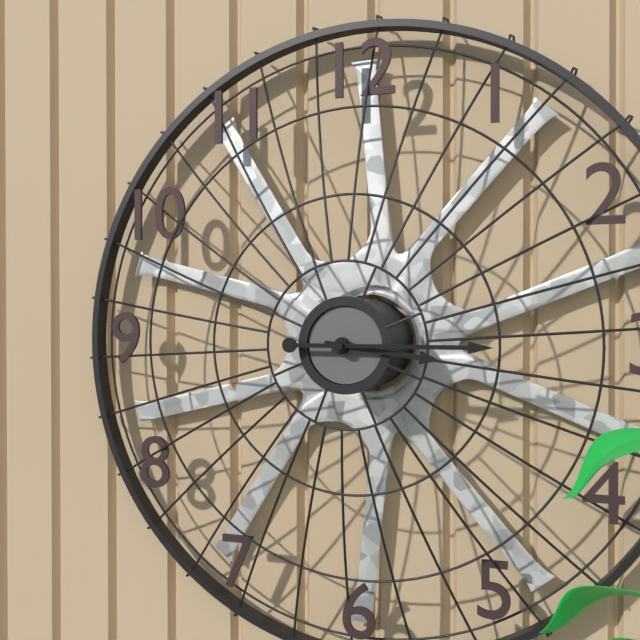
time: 3:15
